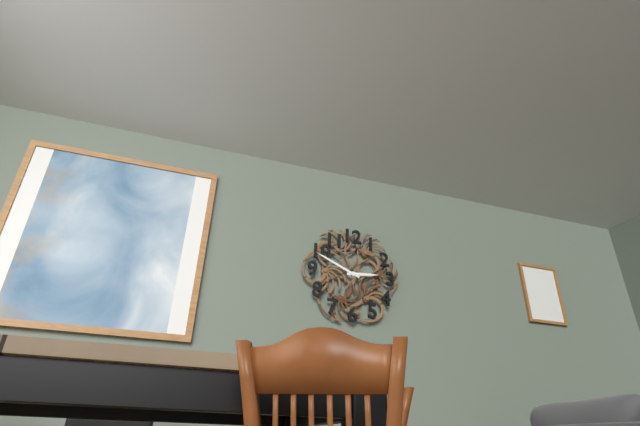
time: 2:49
